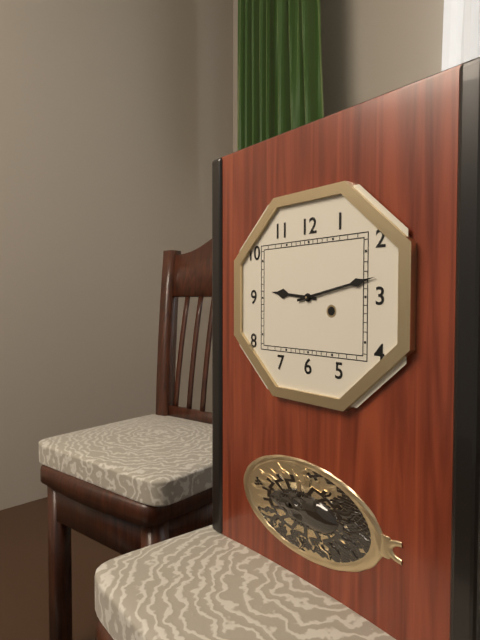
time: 9:13
